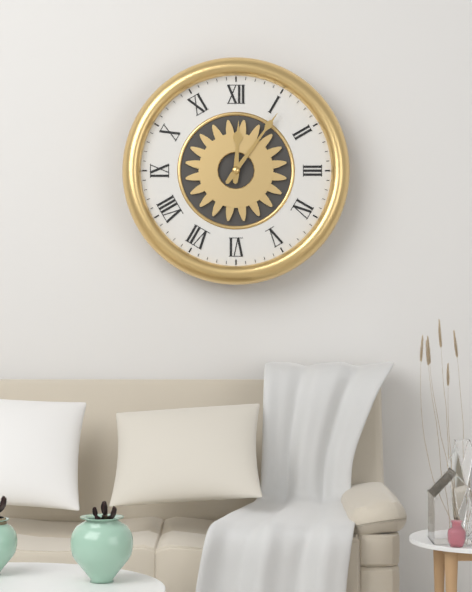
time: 12:06
